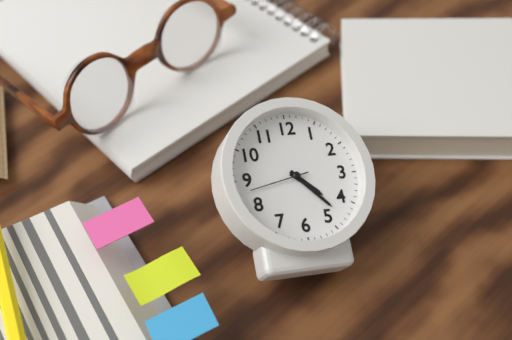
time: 4:23:43
